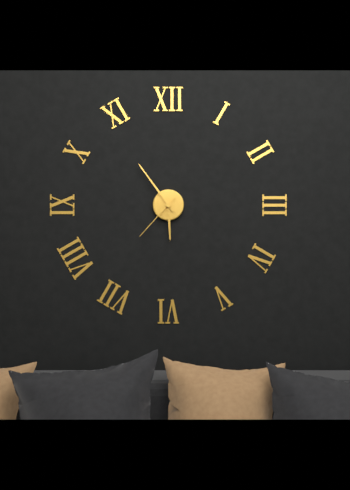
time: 5:54:37
